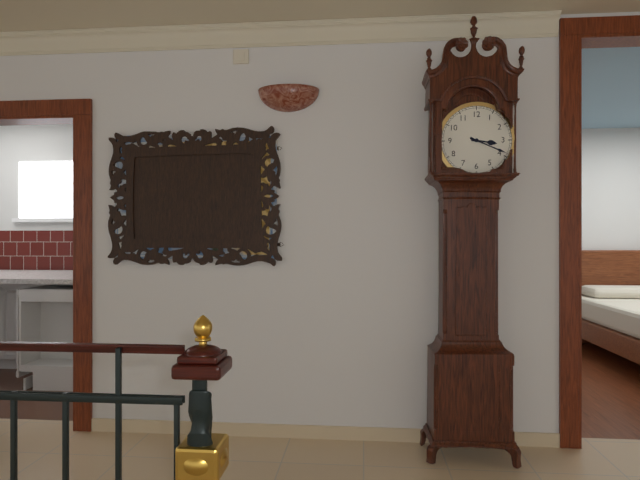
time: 3:19
